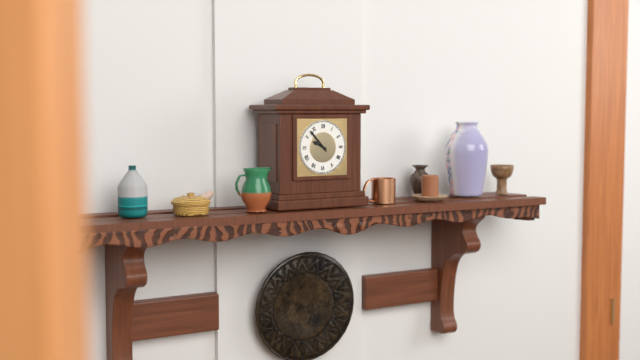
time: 9:53
